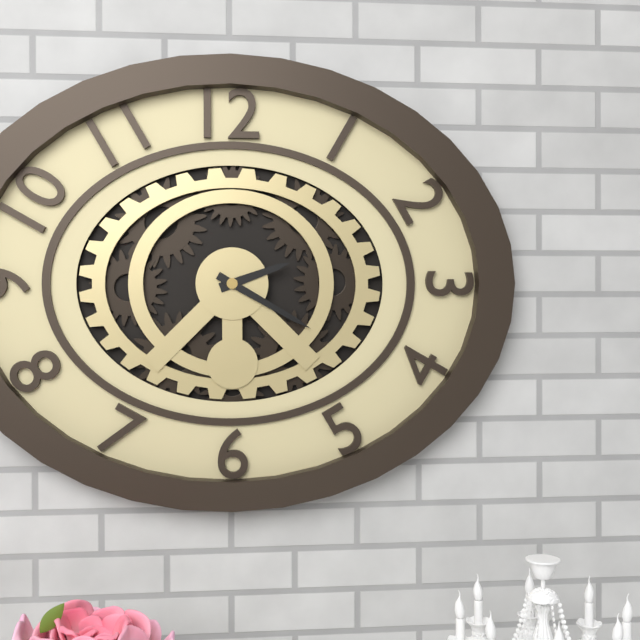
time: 2:20
